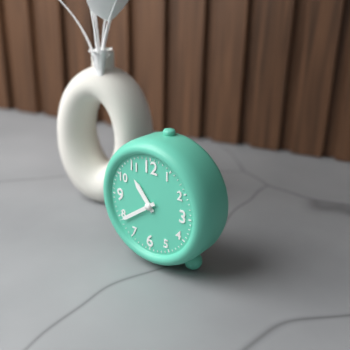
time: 10:39
